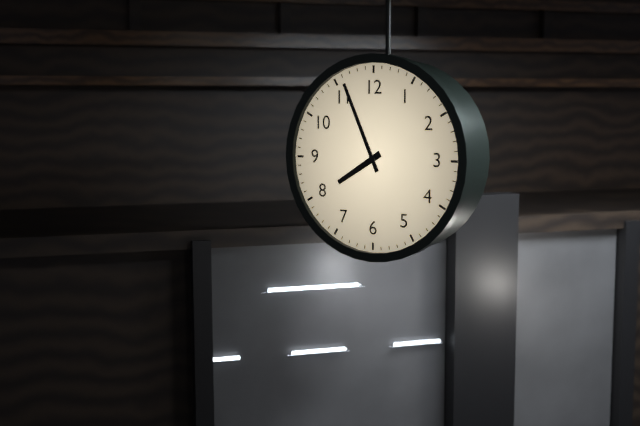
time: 7:56
